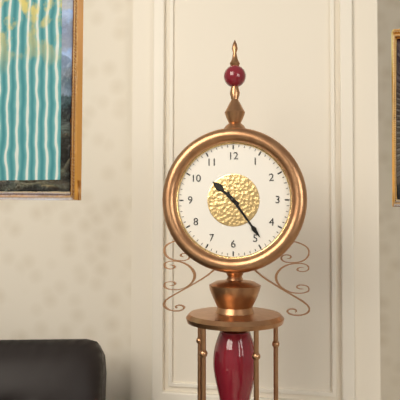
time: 10:24
